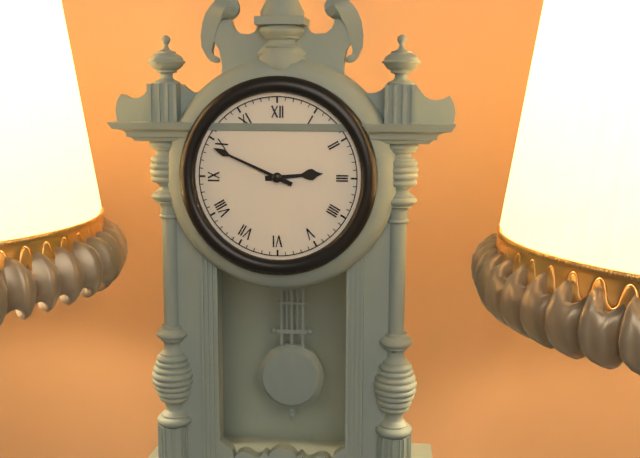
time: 2:49
